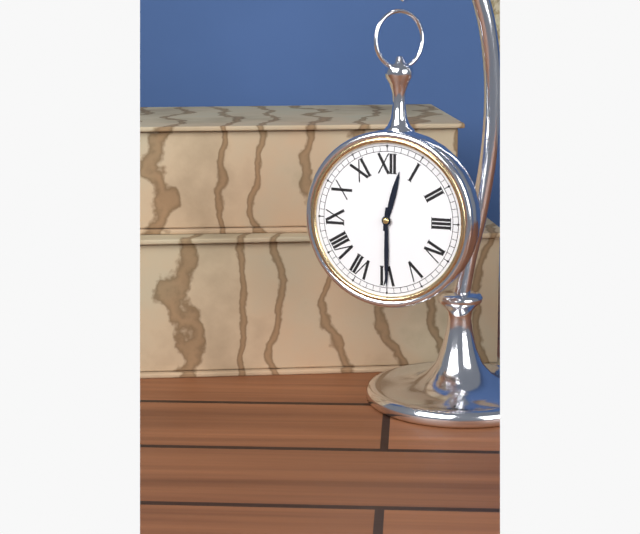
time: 12:30
